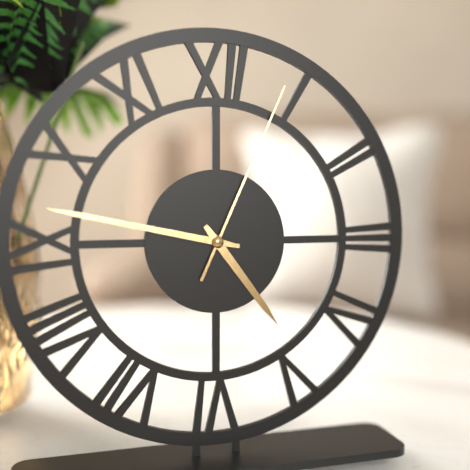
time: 4:47:04
